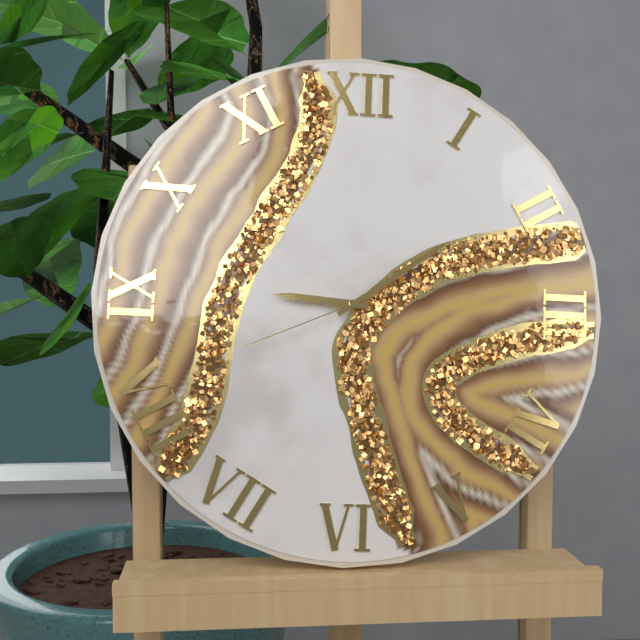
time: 9:09:41
